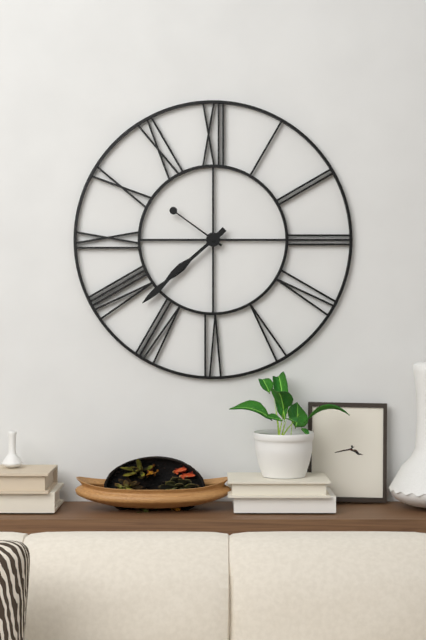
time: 7:38:51
